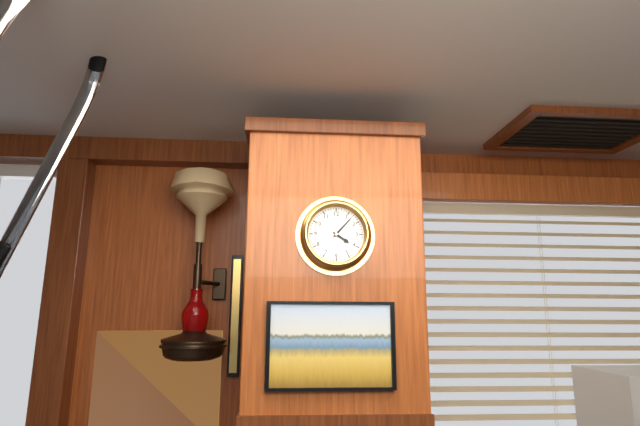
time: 4:07
